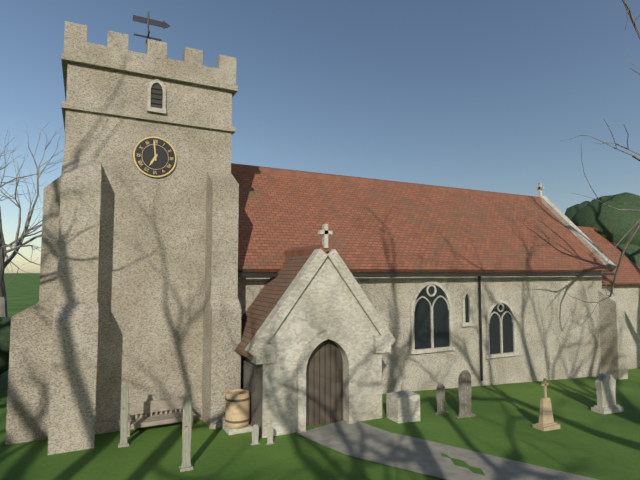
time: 6:59
